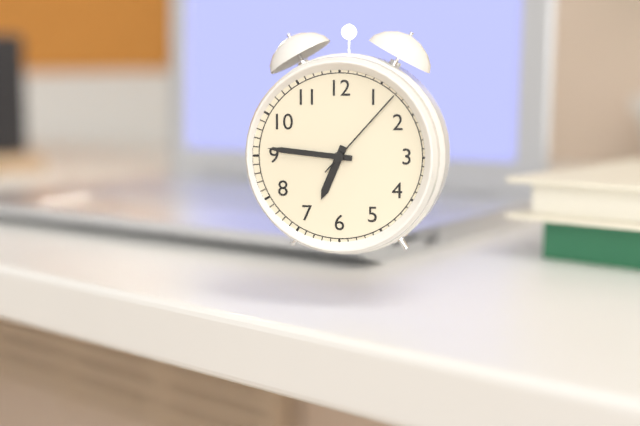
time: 6:46:07
